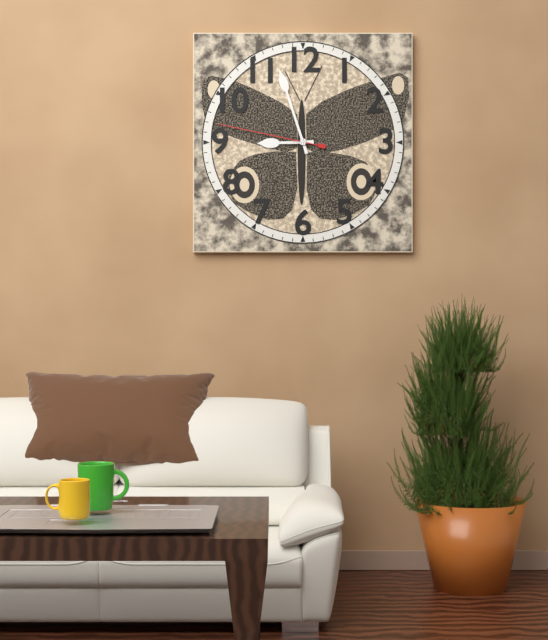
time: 8:57:47
